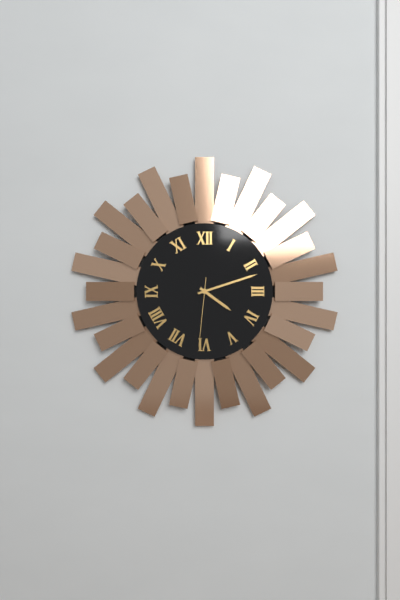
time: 4:12:31
